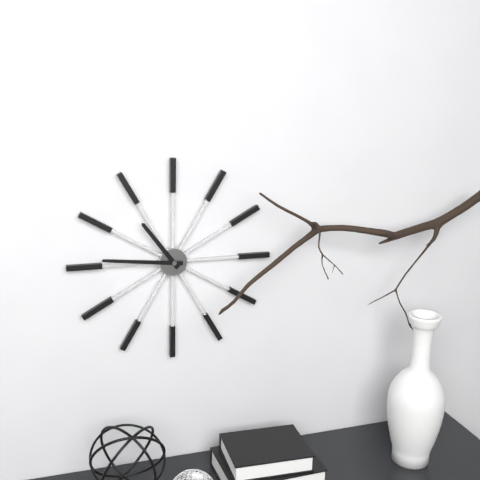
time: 10:46
